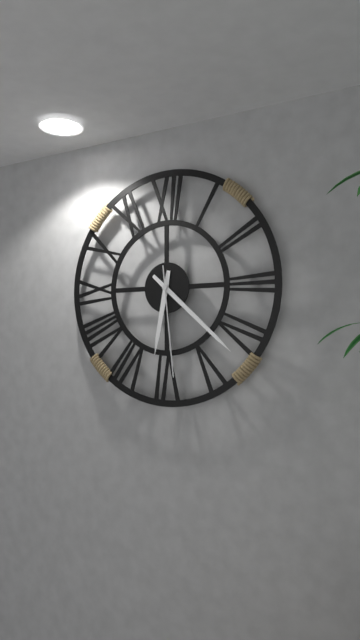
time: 6:22:29
